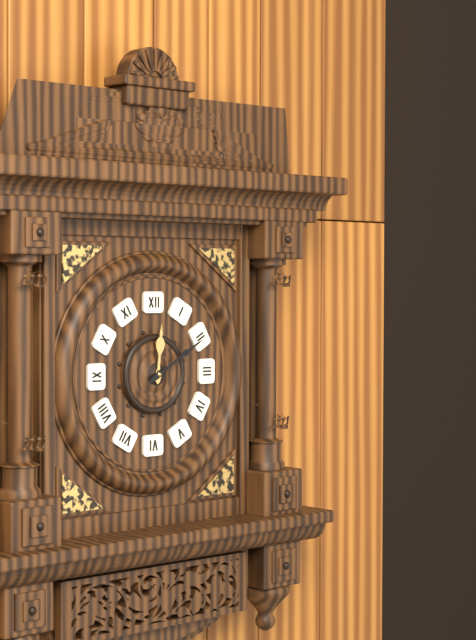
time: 12:10
